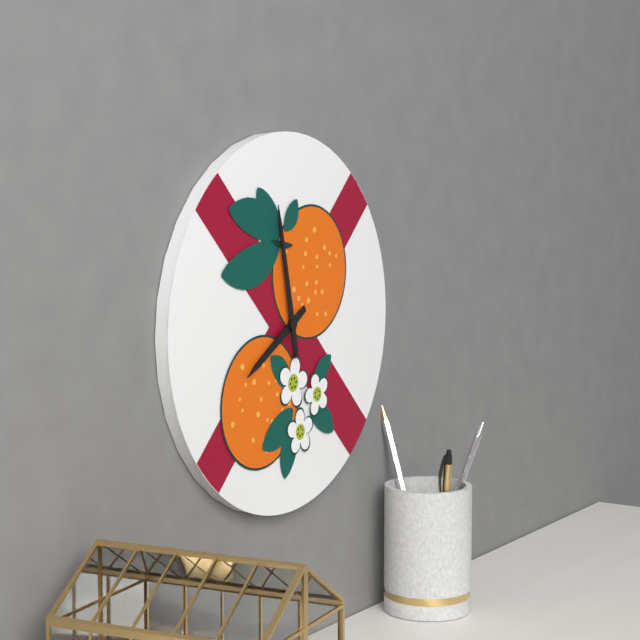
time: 7:58
